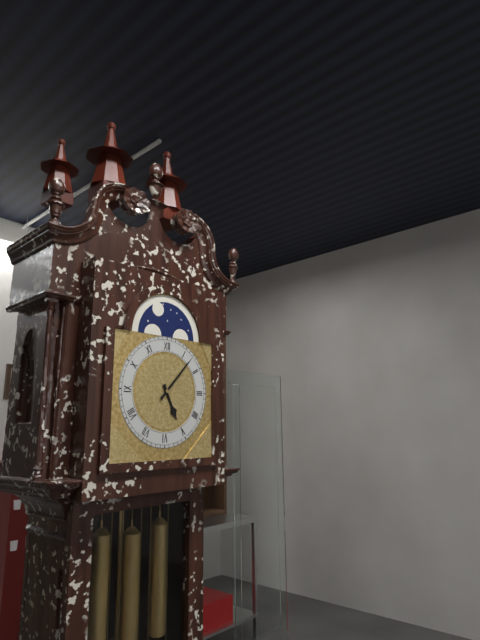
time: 5:07
